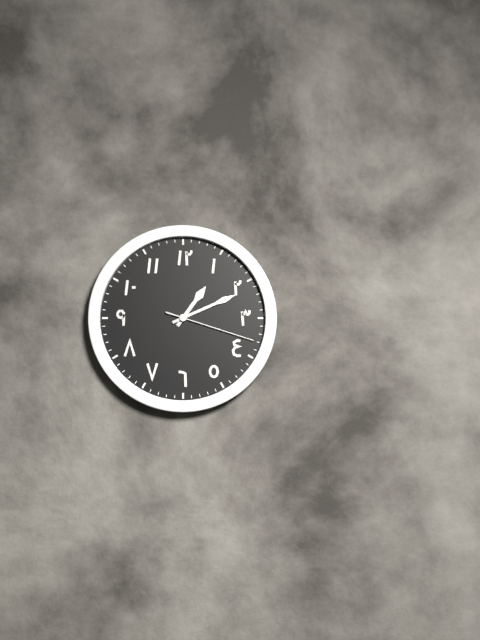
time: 1:11:18
